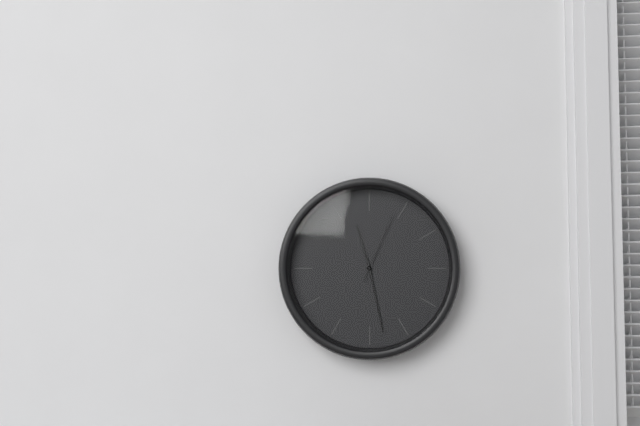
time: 11:28:04
